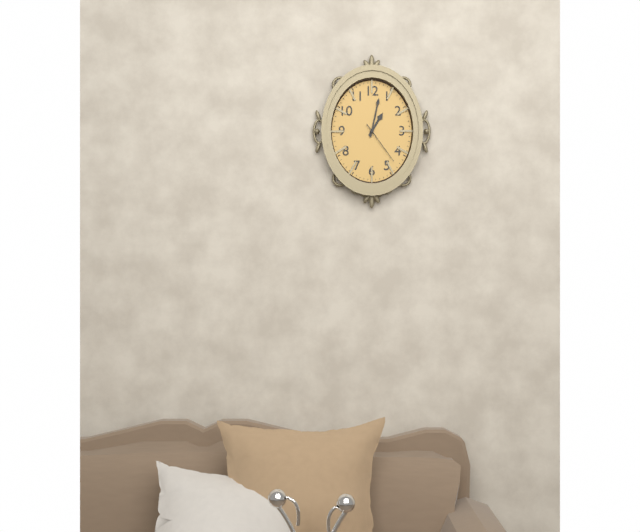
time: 1:02
